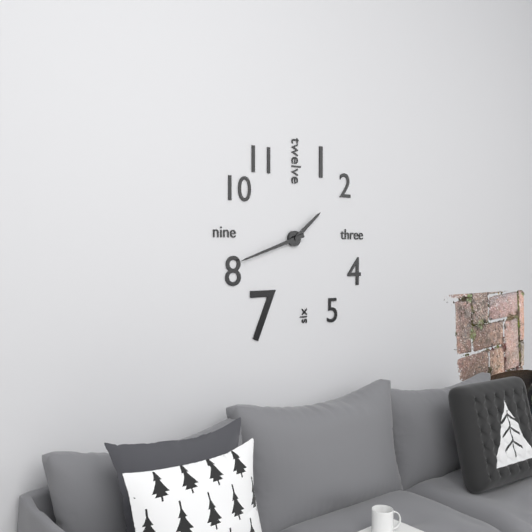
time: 1:42
